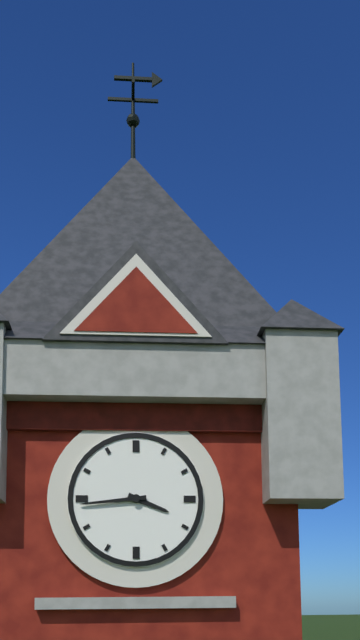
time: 3:44
